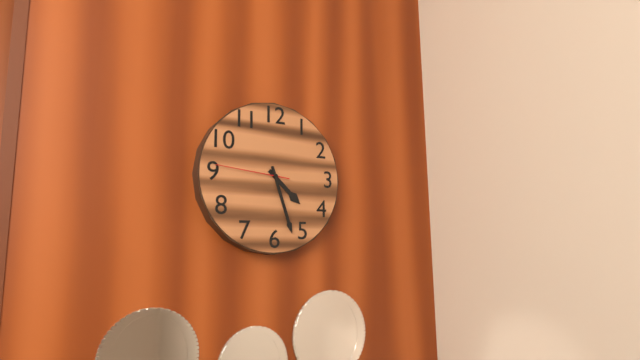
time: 4:27:46
